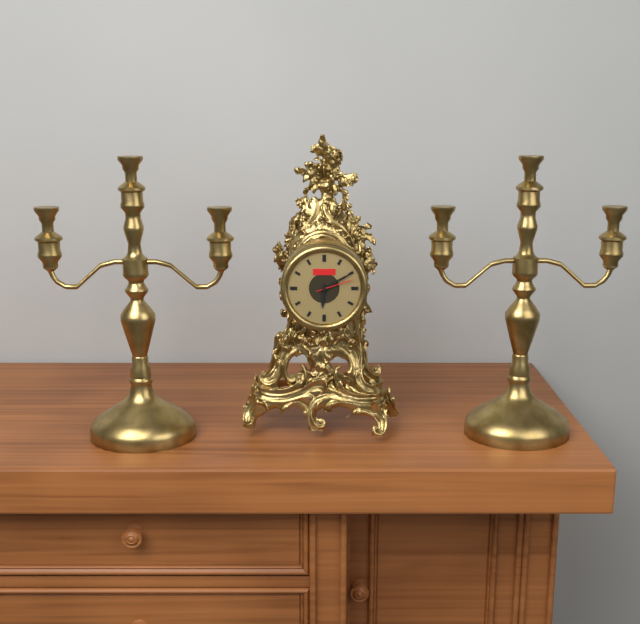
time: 6:10
